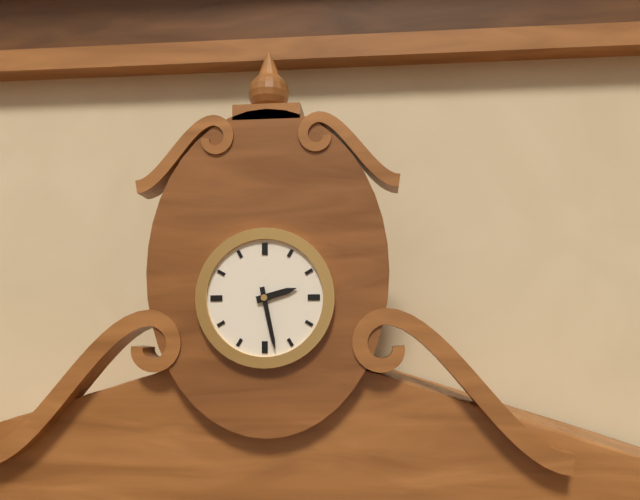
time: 2:28
